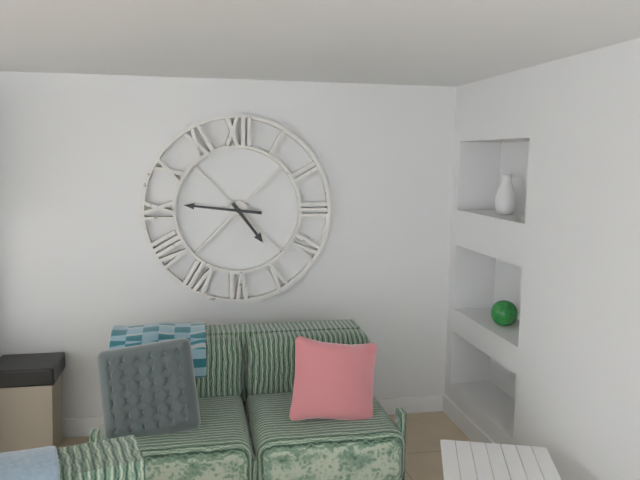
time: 4:46
